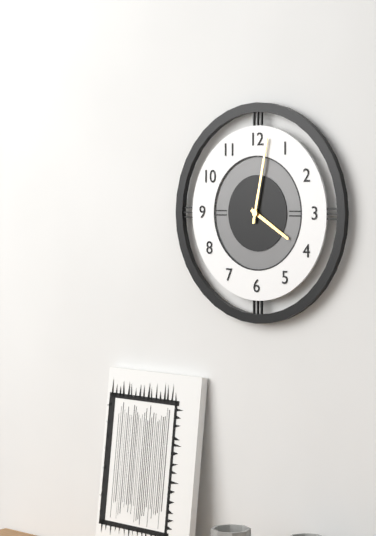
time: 4:02
